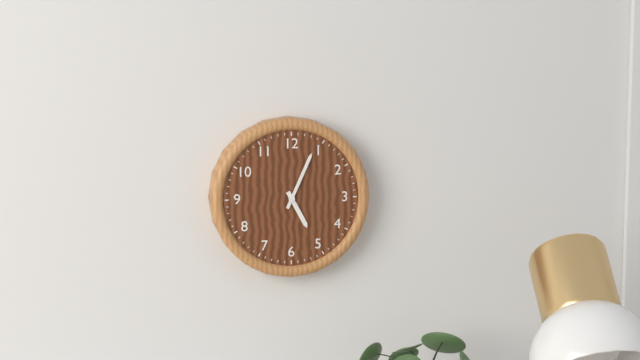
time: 5:04
